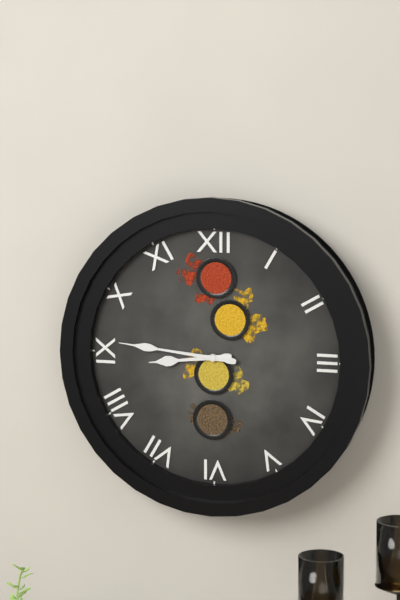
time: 8:46
